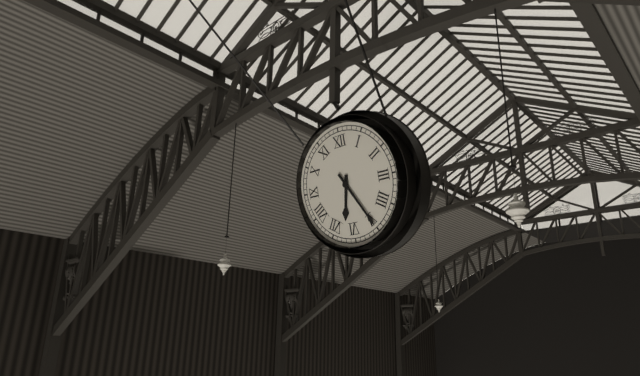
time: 6:25
